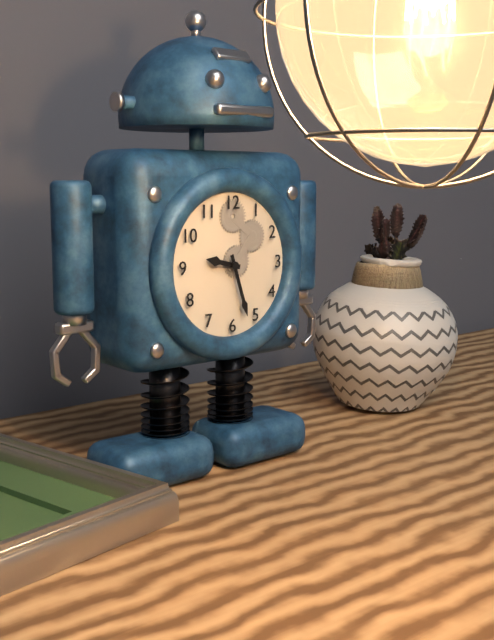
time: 9:27
